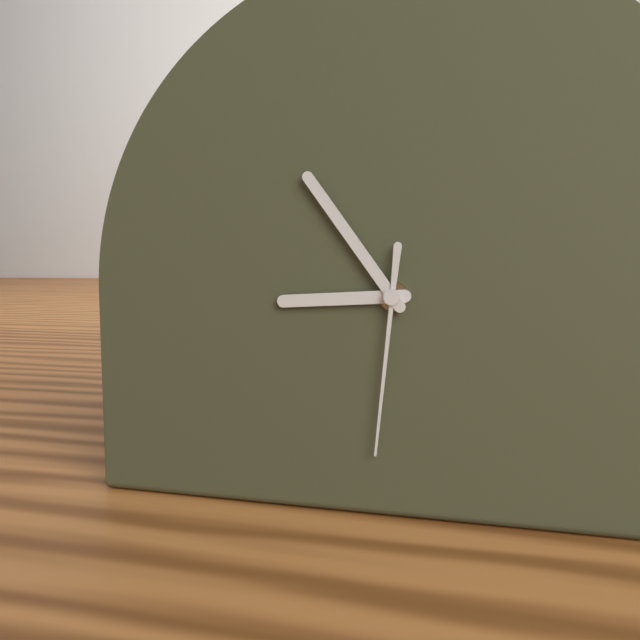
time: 8:54:31
